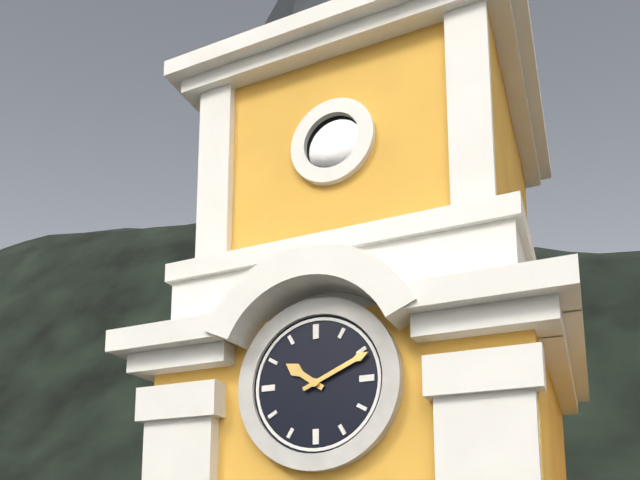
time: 10:11
